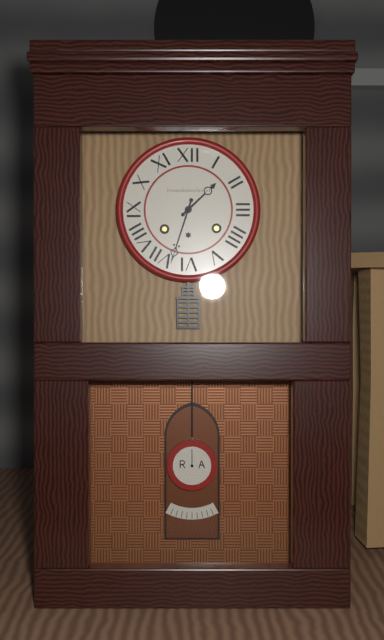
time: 1:33
